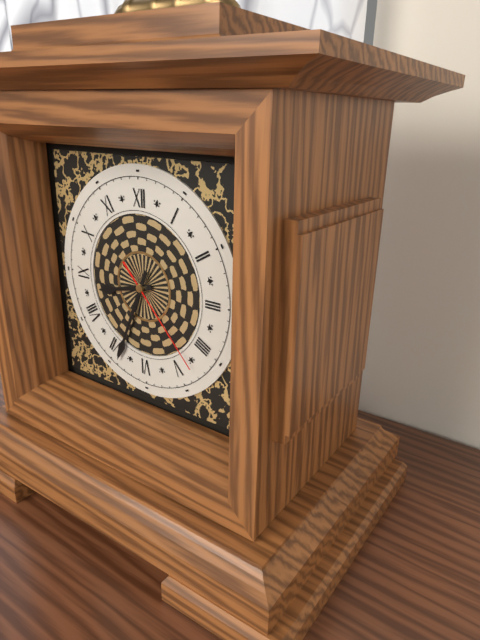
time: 8:34:23
